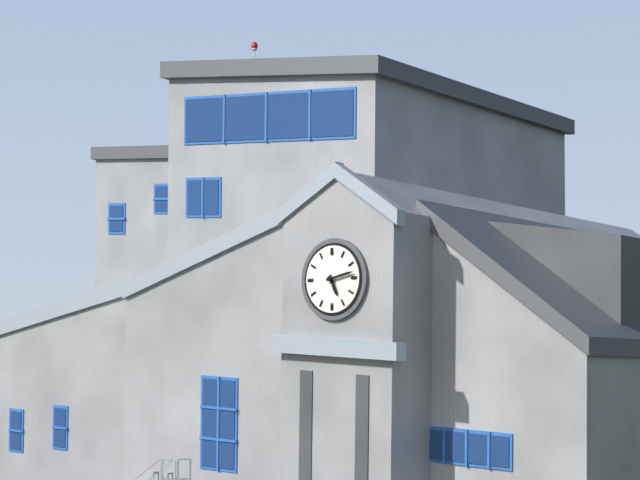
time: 5:13
